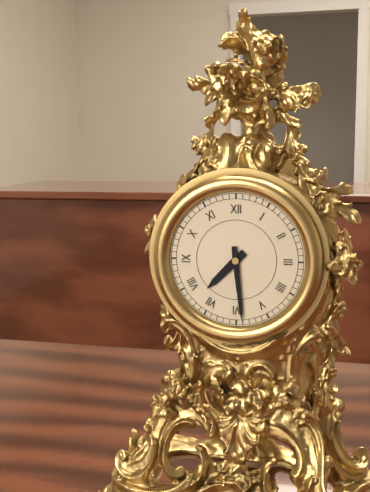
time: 7:29
